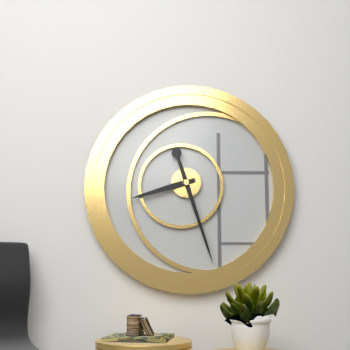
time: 8:27
